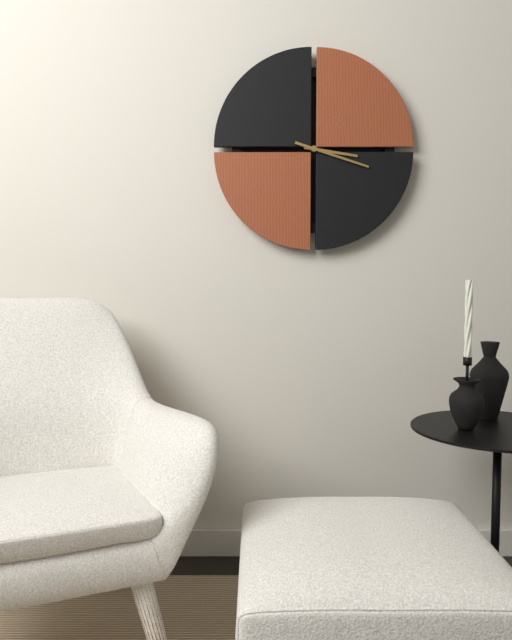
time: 3:18
